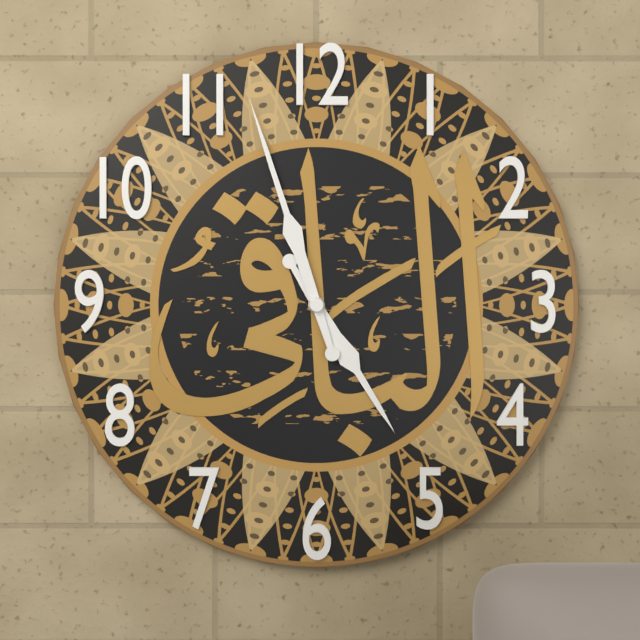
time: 4:57
